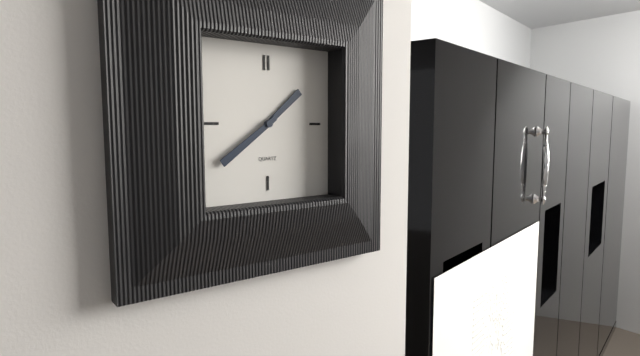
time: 1:39
